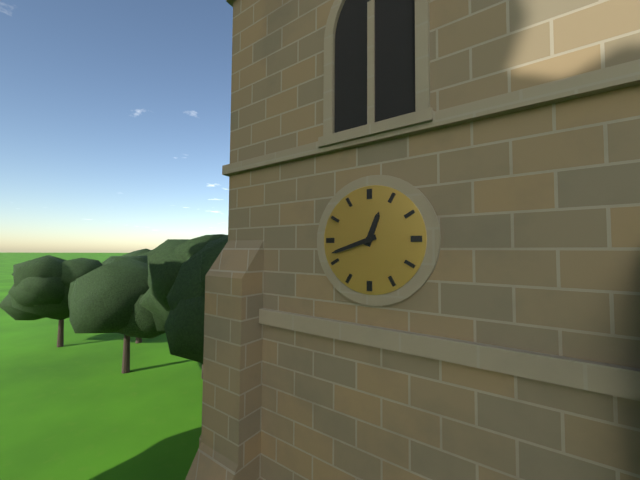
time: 12:42
